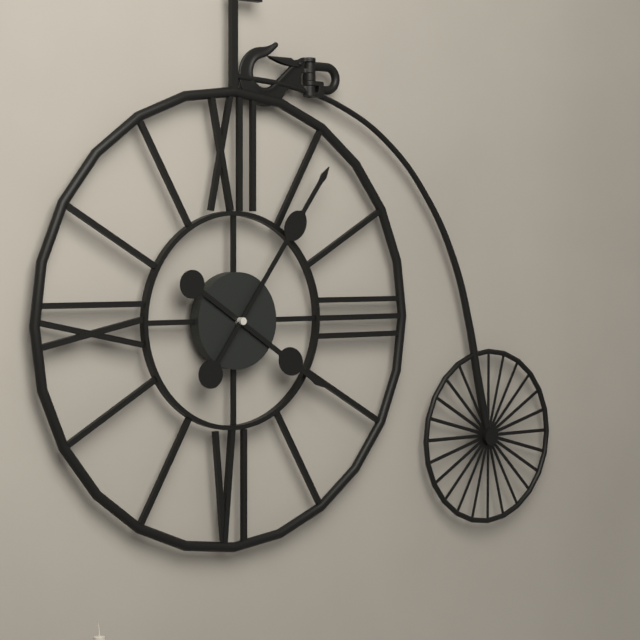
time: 4:06
